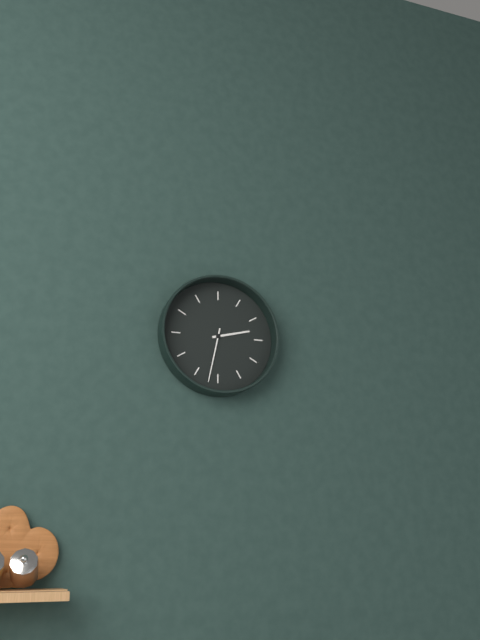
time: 2:32
